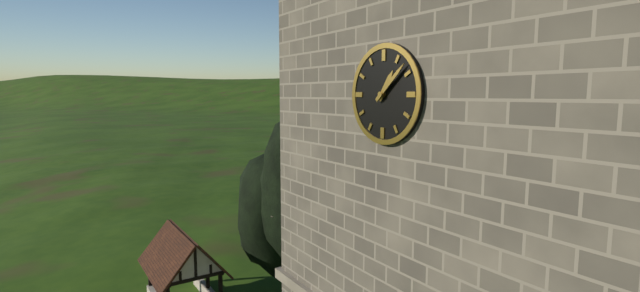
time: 1:08
